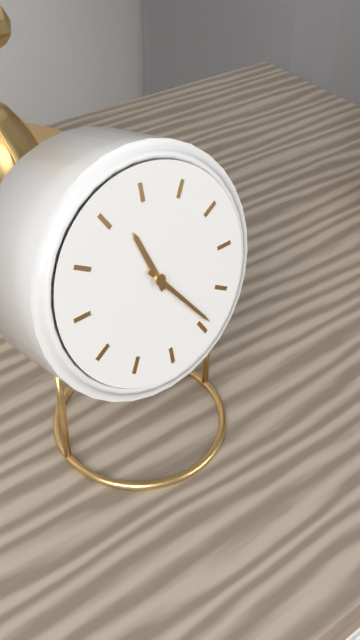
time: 11:24
